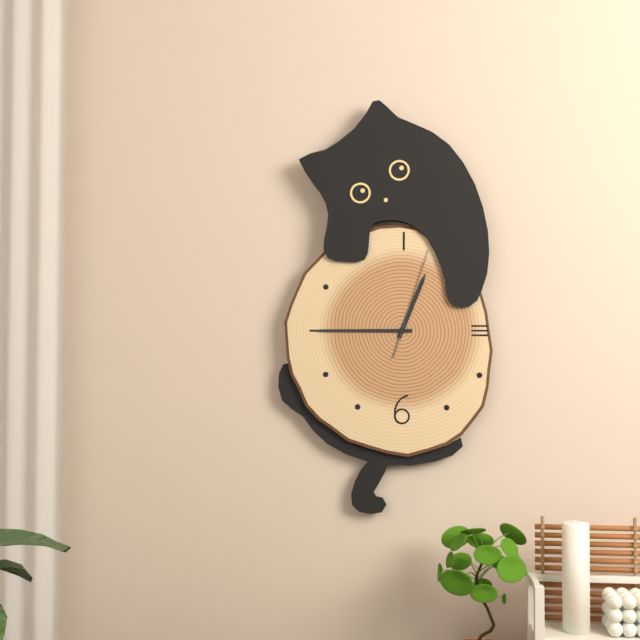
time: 12:45:03
